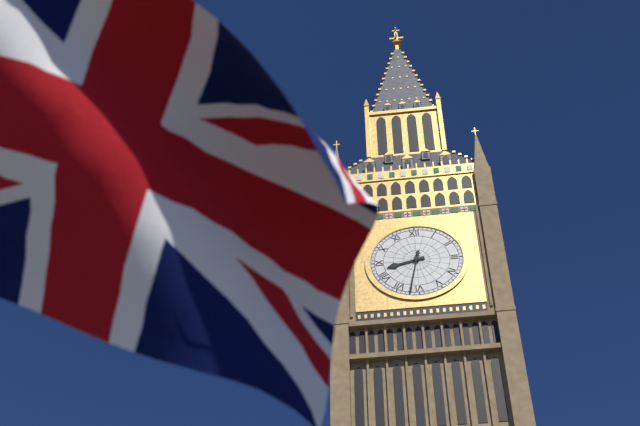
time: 8:32
